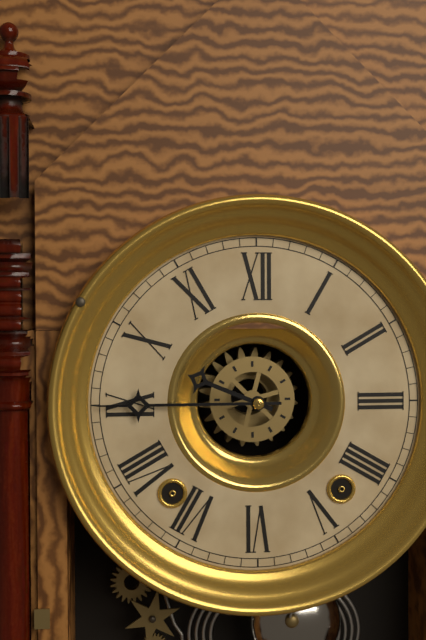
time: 9:45
